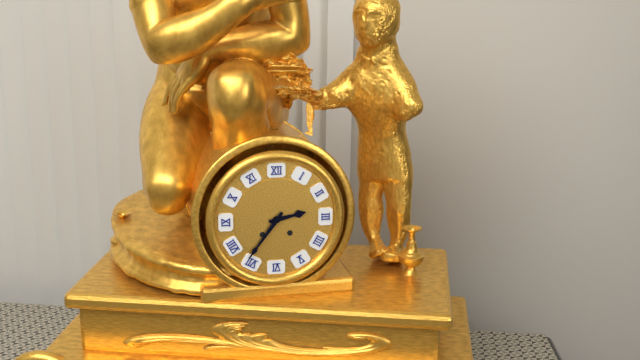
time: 2:36
